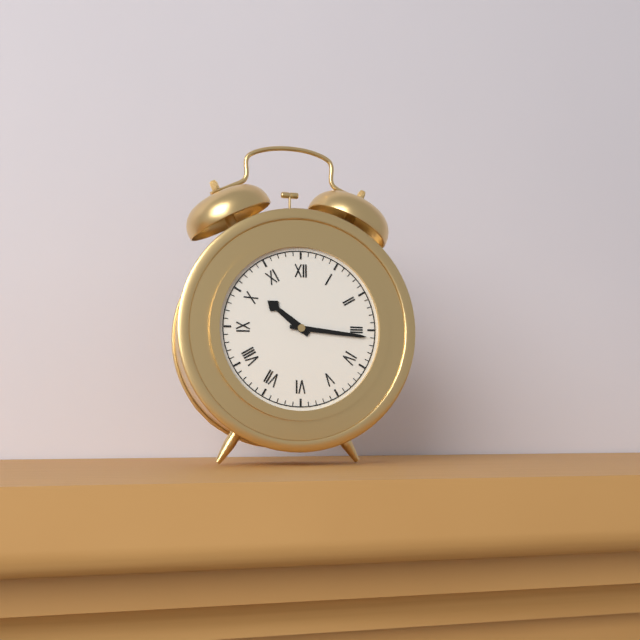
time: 10:16
